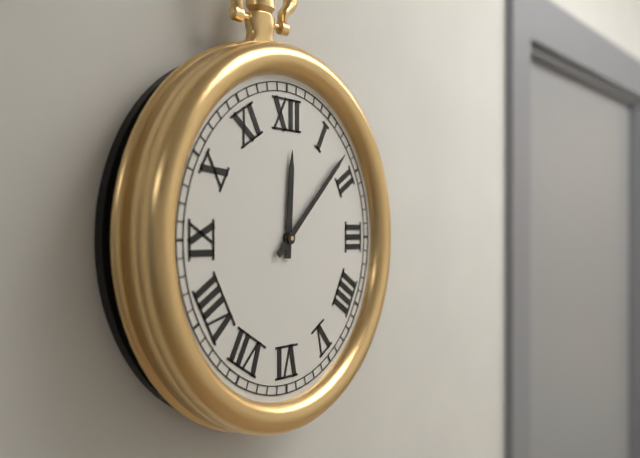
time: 12:08
